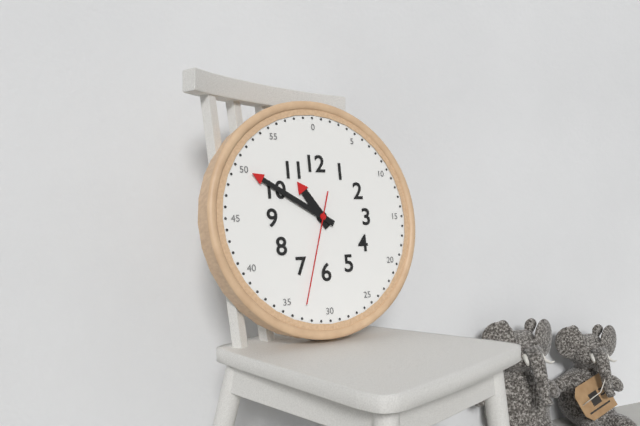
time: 10:50:33
